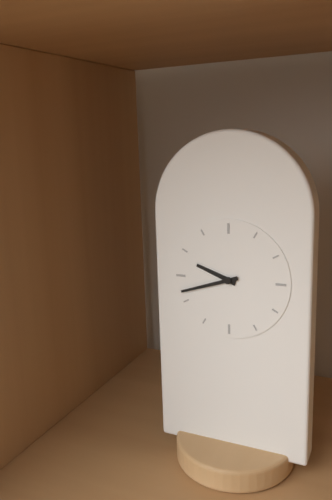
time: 9:42
